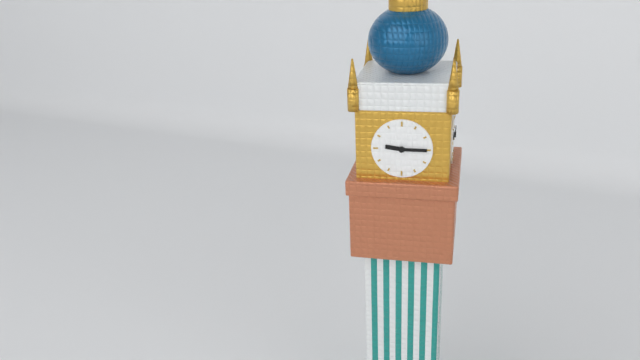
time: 9:15
